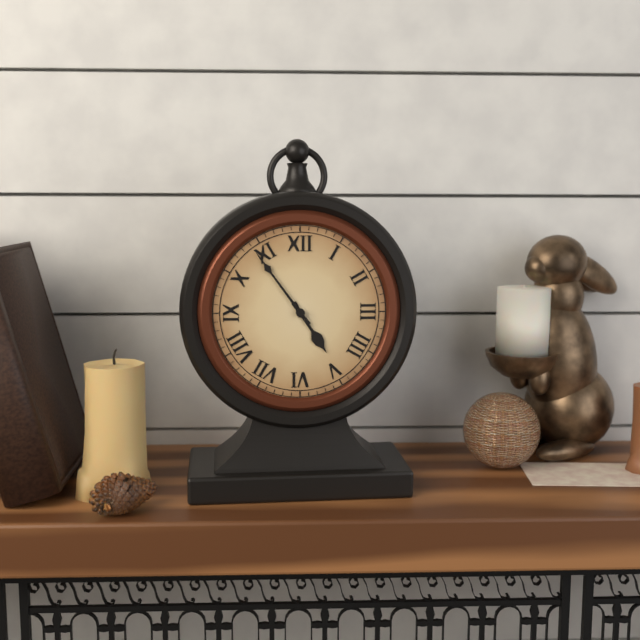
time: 4:54
